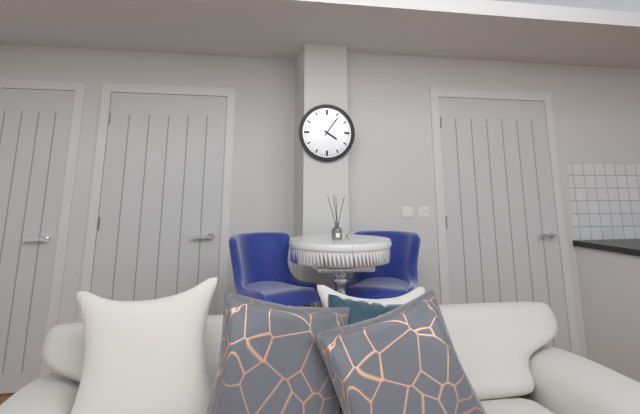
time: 4:06
